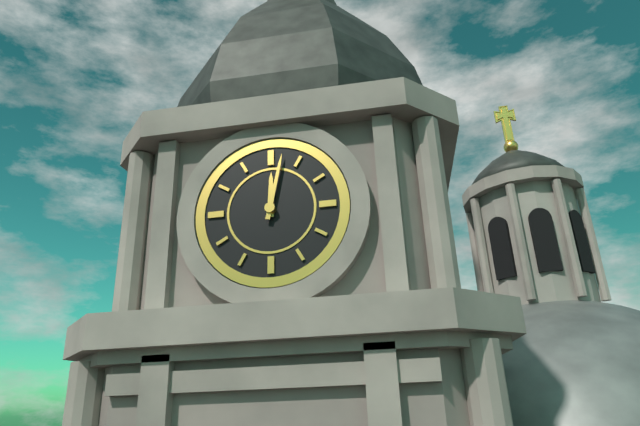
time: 12:02
